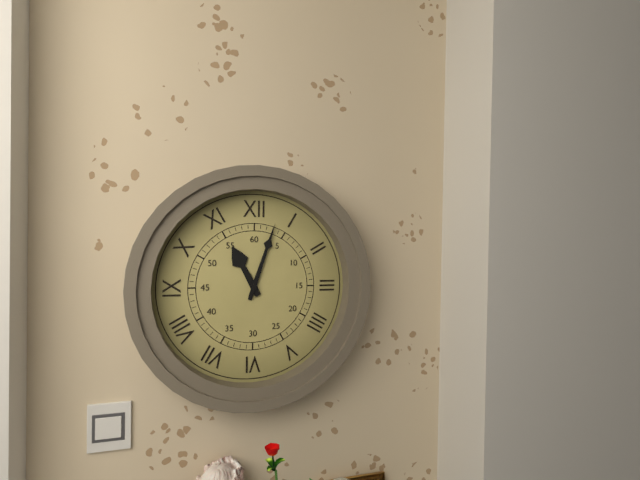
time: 11:03
